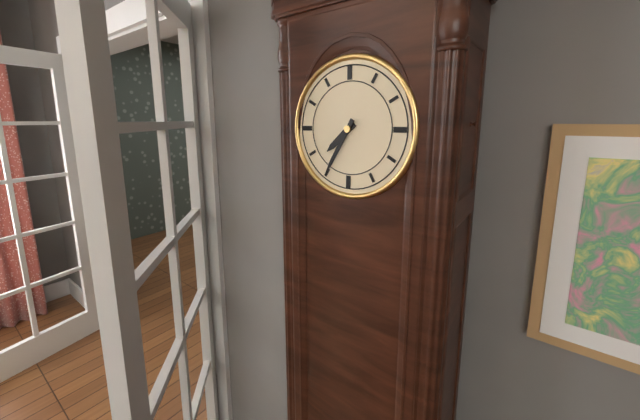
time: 7:35
